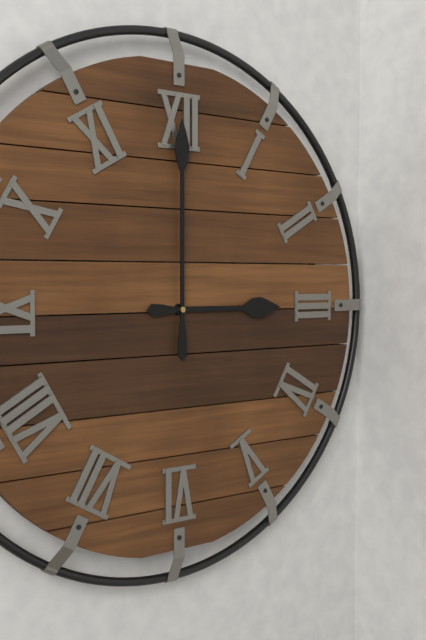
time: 3:00
